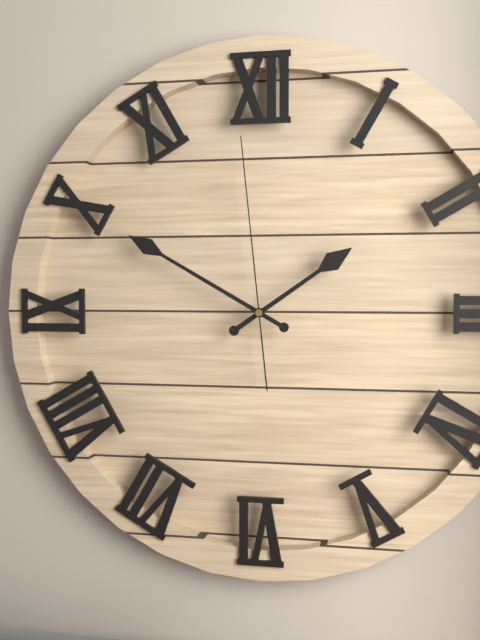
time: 1:50:59
